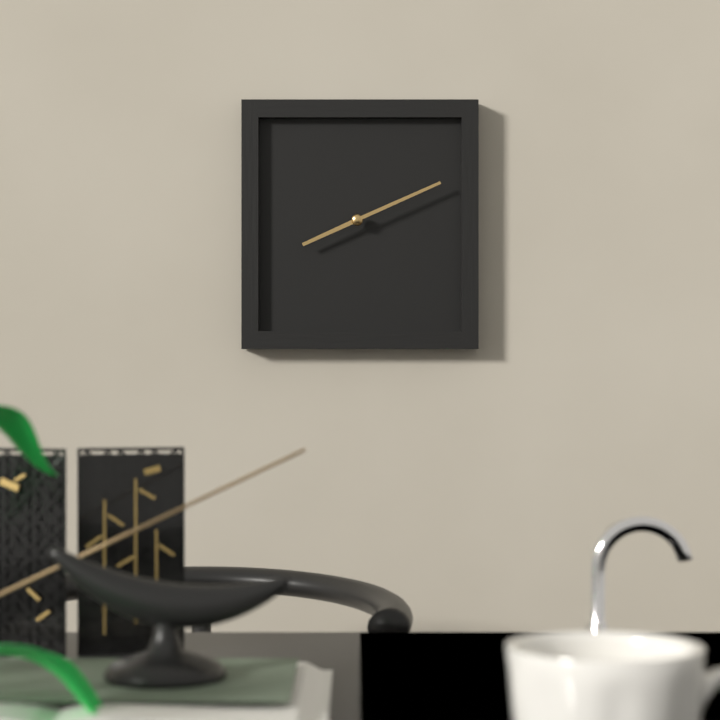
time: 8:11
